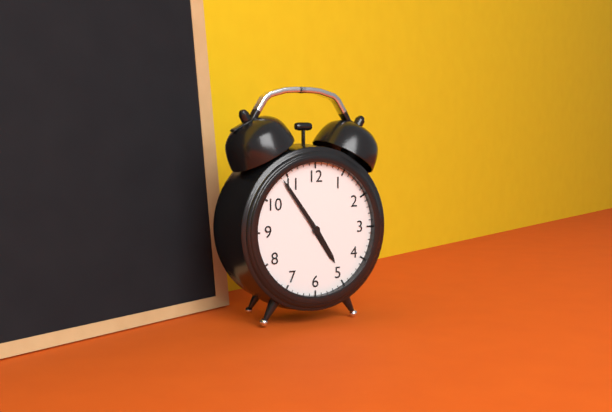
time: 4:54
